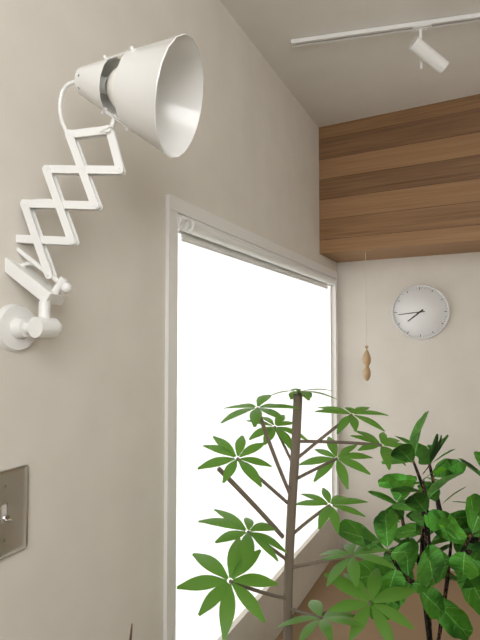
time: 7:44
